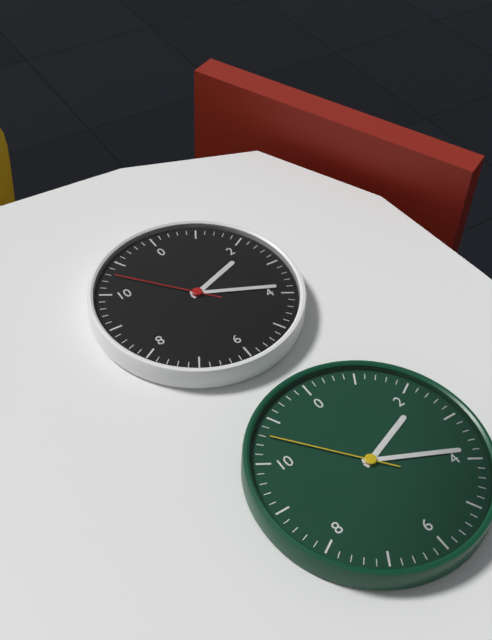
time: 2:19:53
